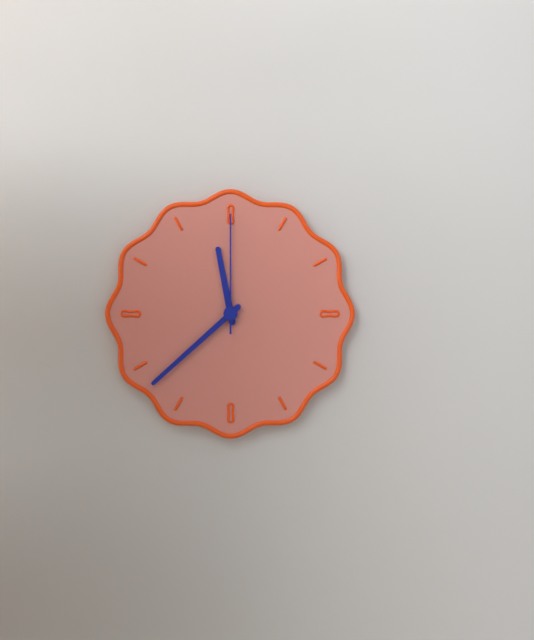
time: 11:38:00
